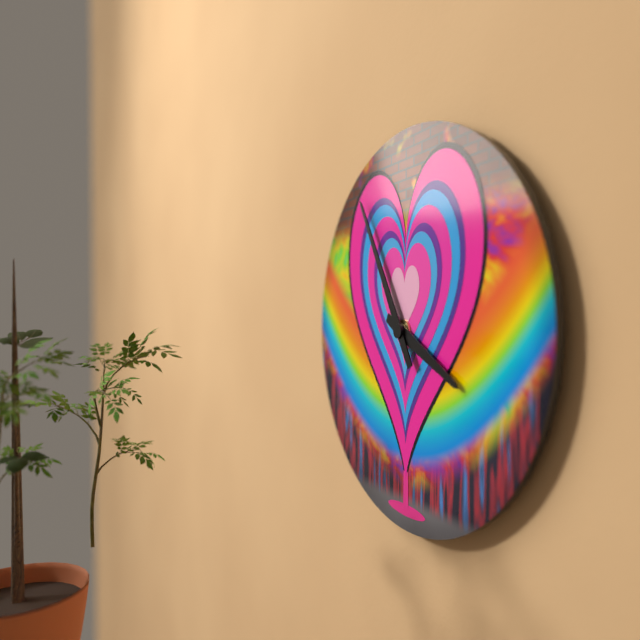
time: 3:55
